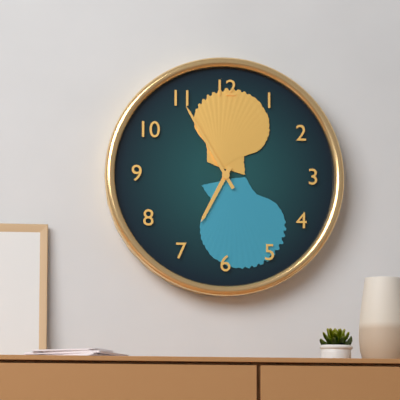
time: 6:55
